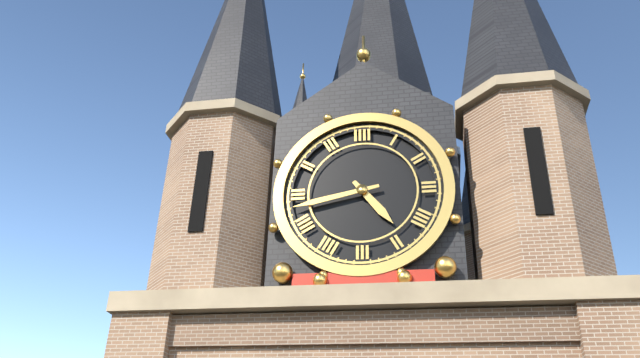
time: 4:43
